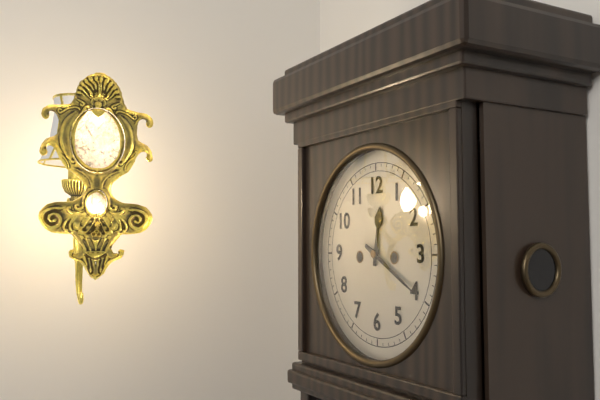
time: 12:20
